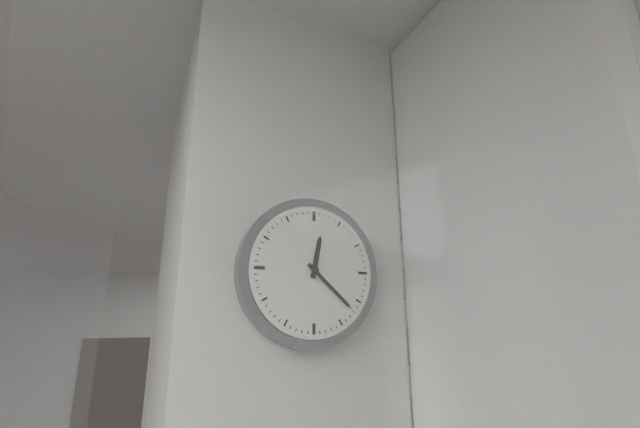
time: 12:22
